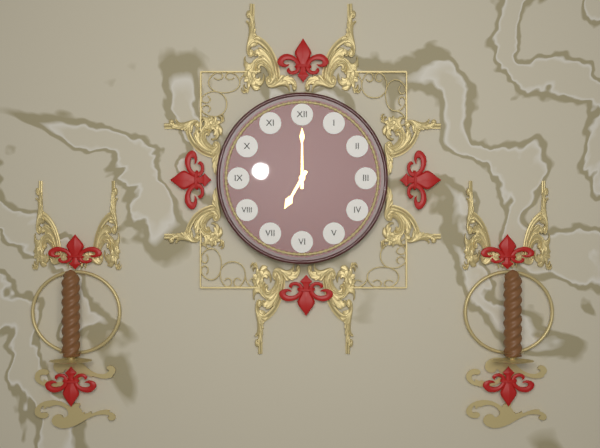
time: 7:00
